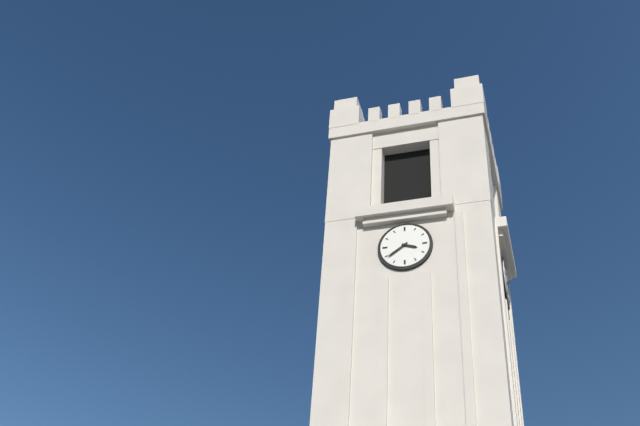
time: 3:39
